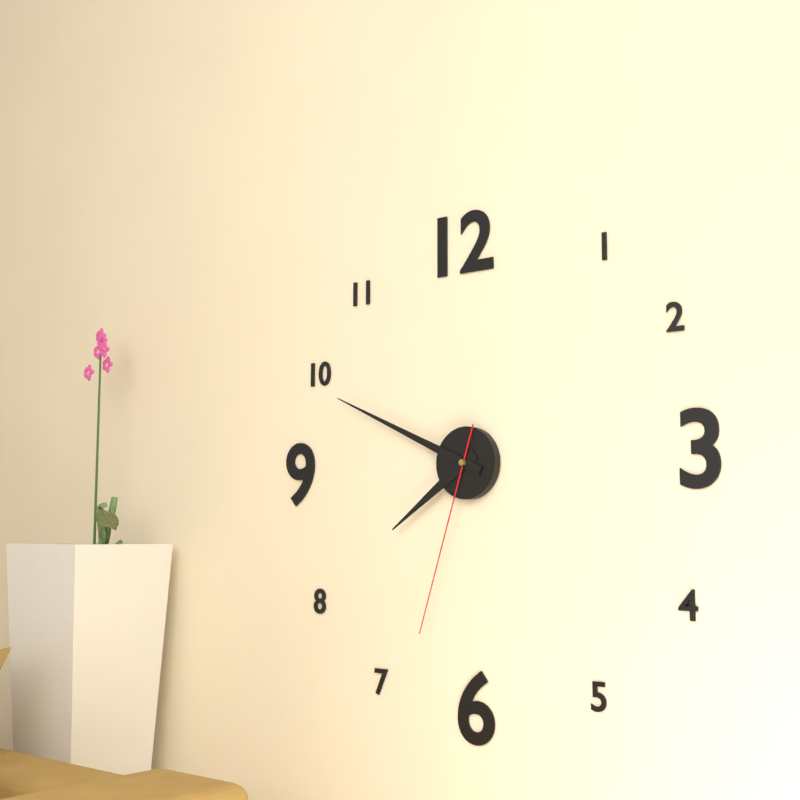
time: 7:49:33
